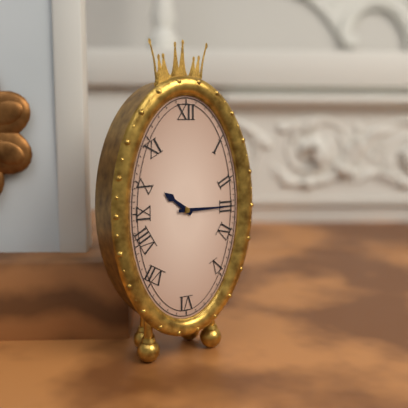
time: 10:15
